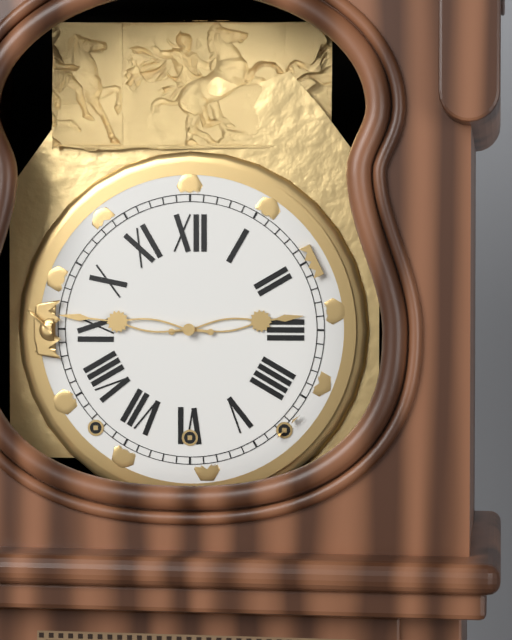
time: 2:46
